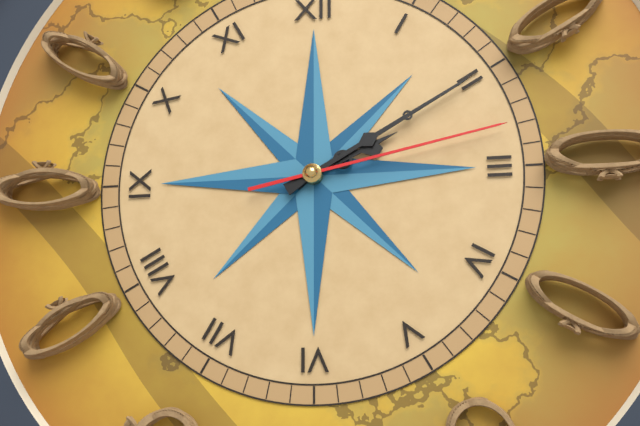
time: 2:10:13
